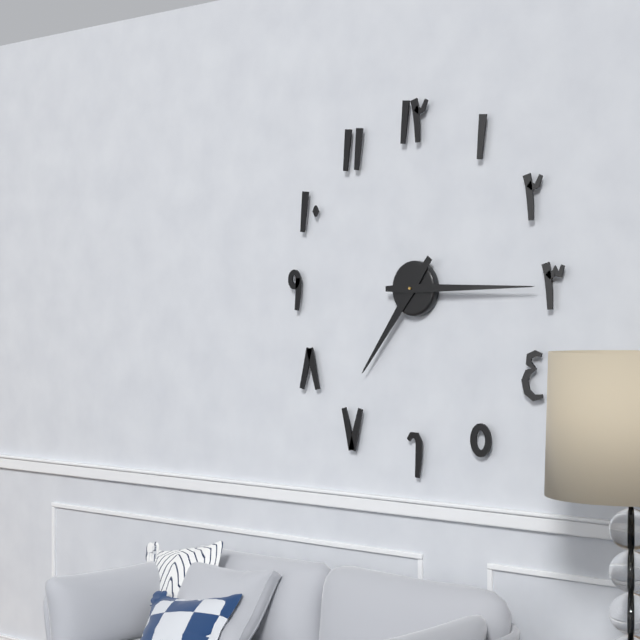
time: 7:15
